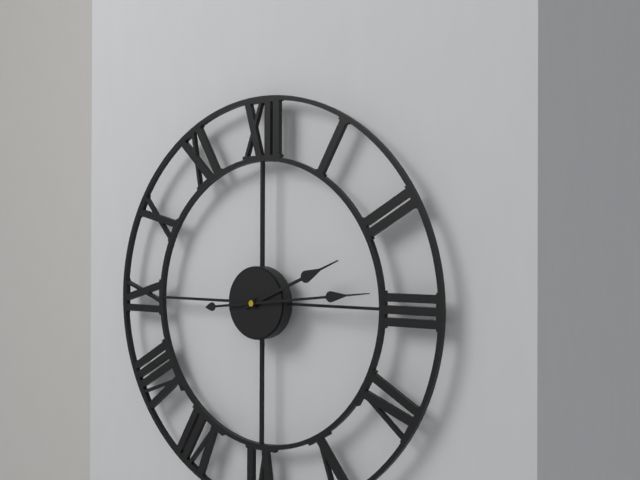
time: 2:14
